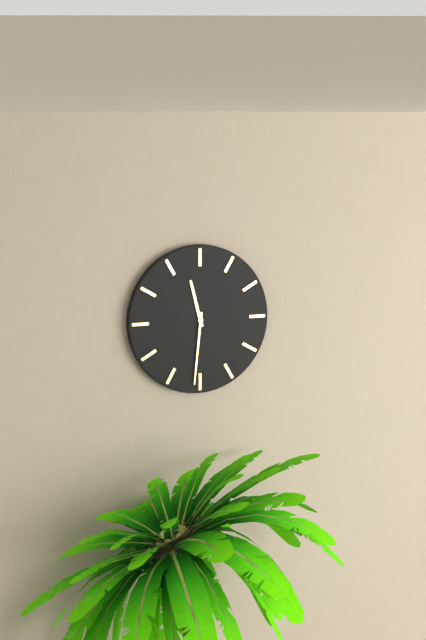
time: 11:31
